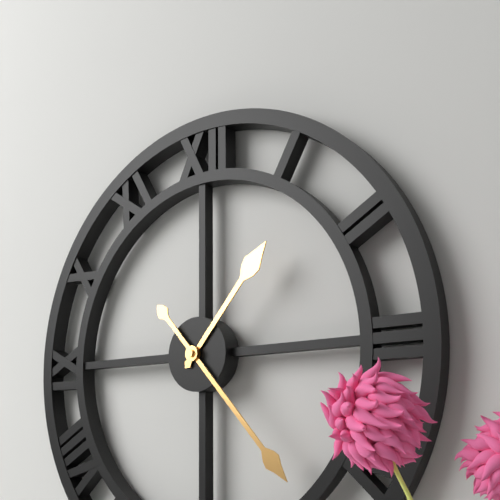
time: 1:23
